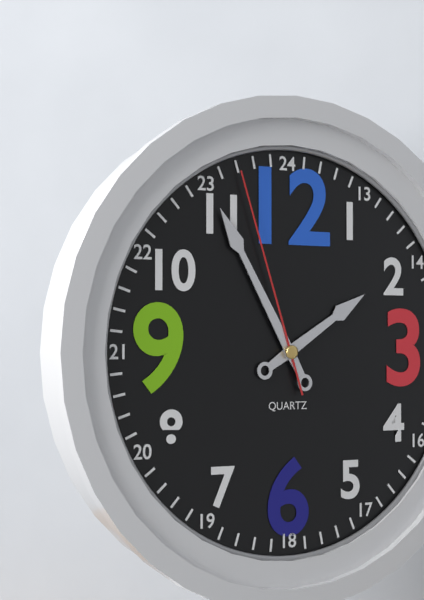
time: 1:55:57
